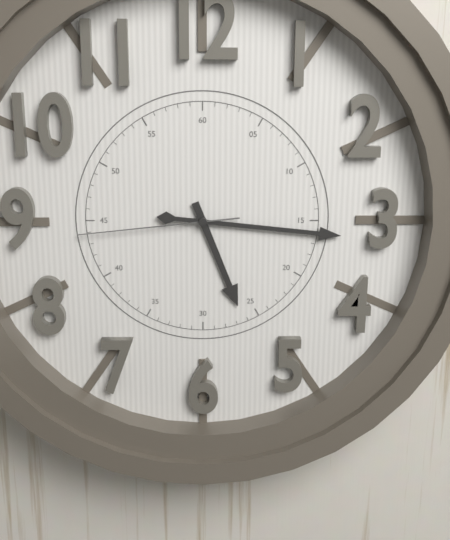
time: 5:16:44
